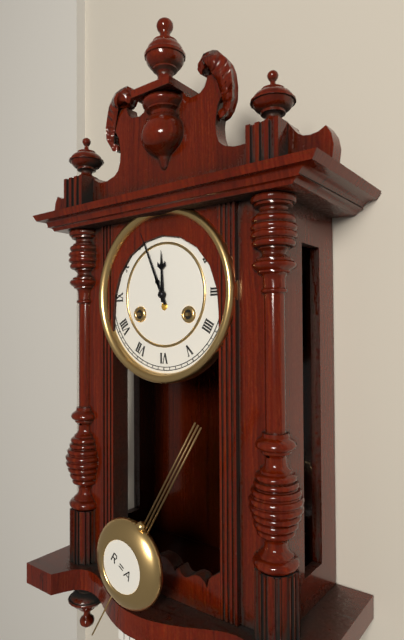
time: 11:56
